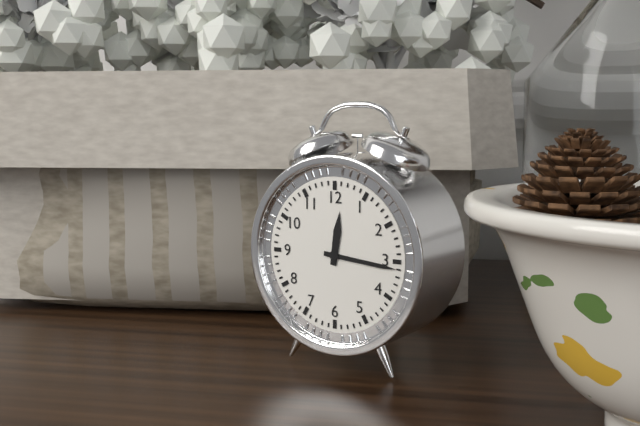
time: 12:16
